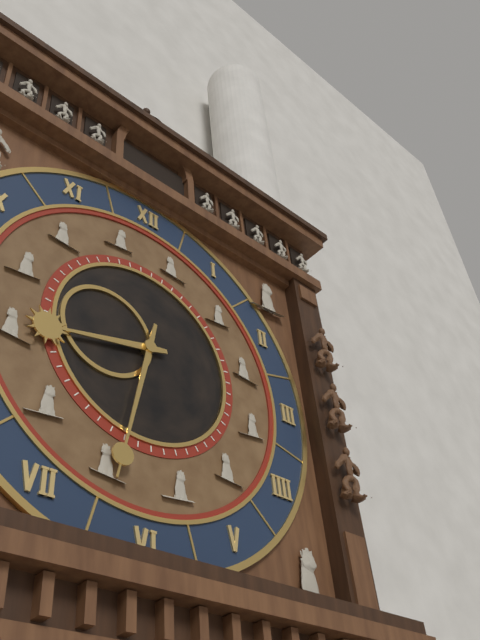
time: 8:32
